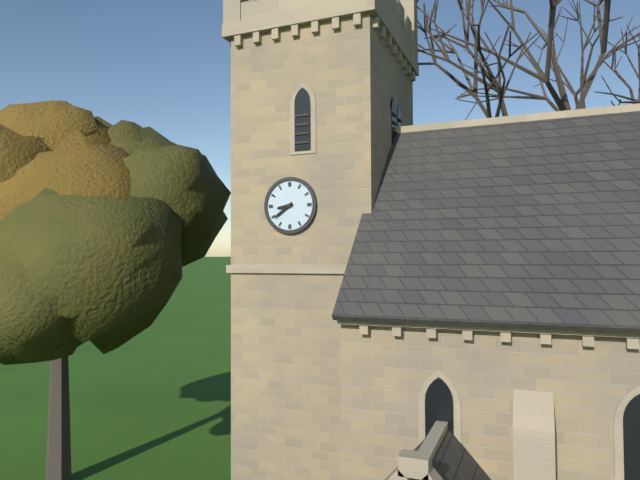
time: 8:39
